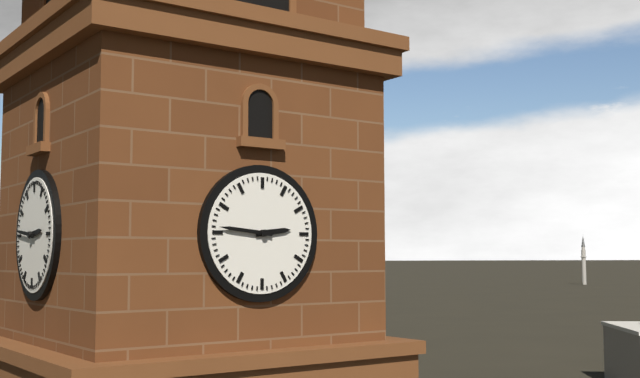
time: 2:46
